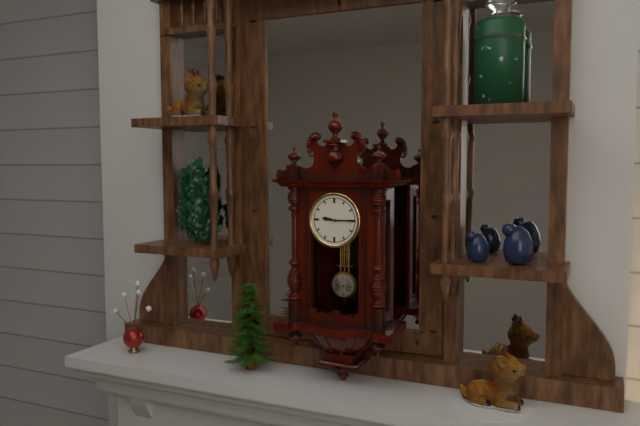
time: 9:15
